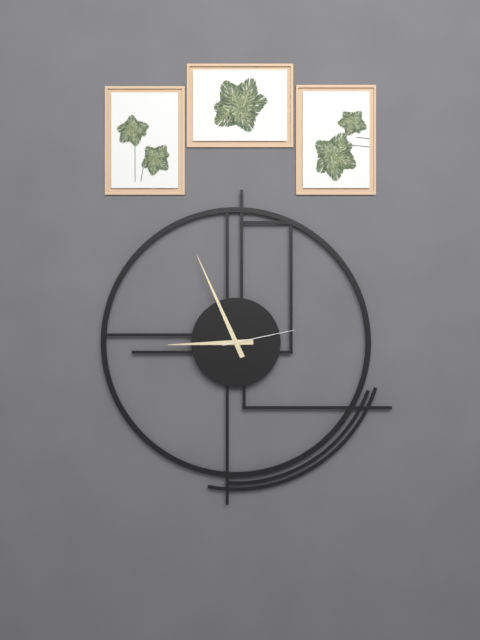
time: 8:56:13
